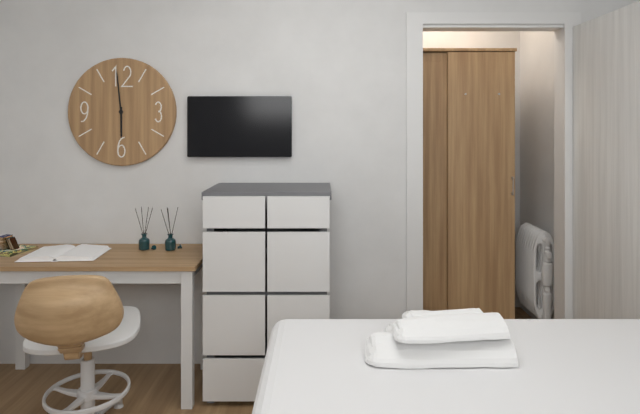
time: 5:59
